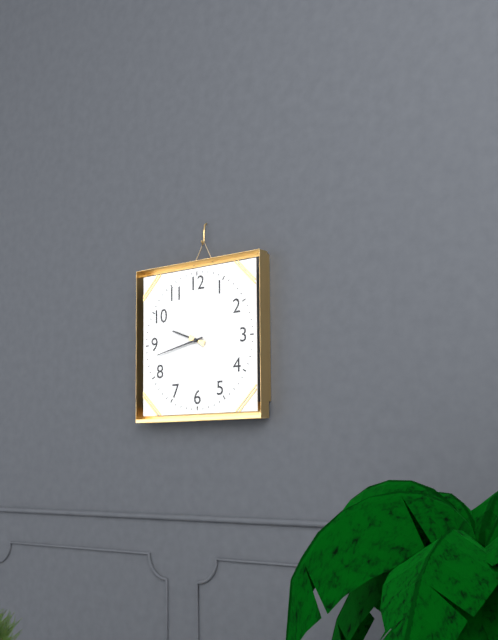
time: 9:43
